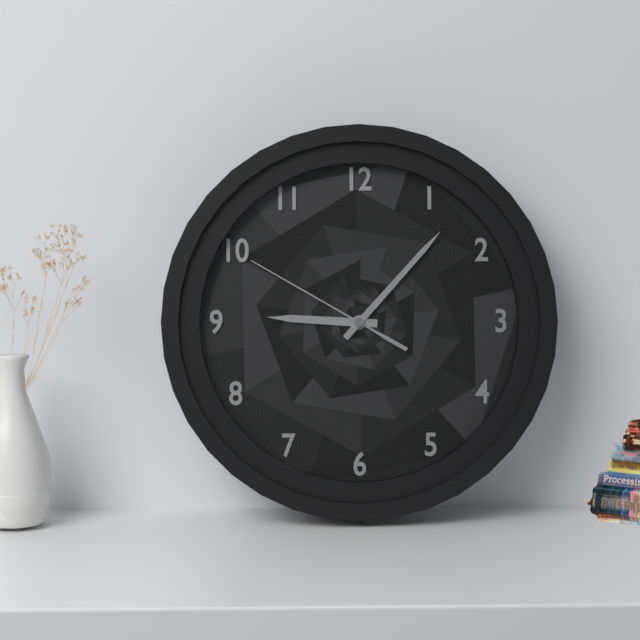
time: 9:07:50
